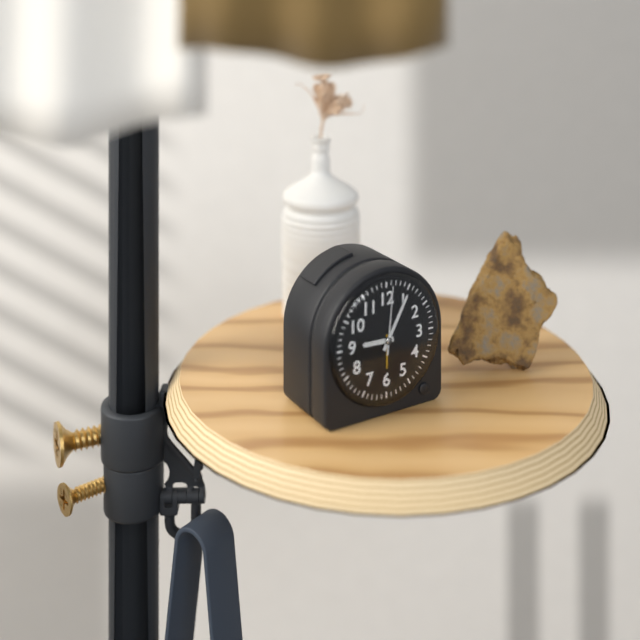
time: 9:05:01
